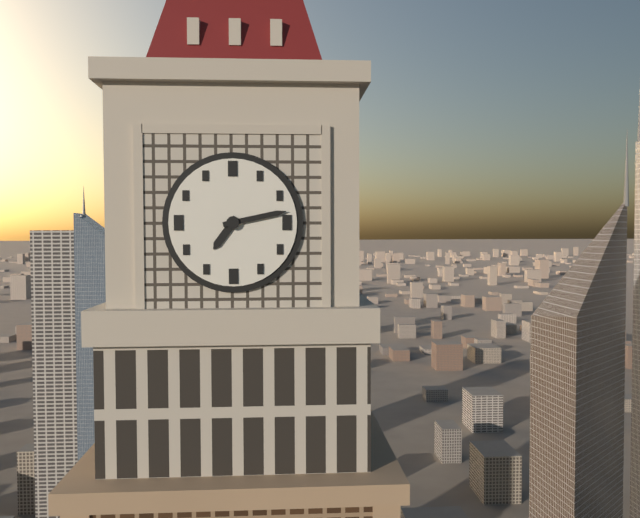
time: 7:13
